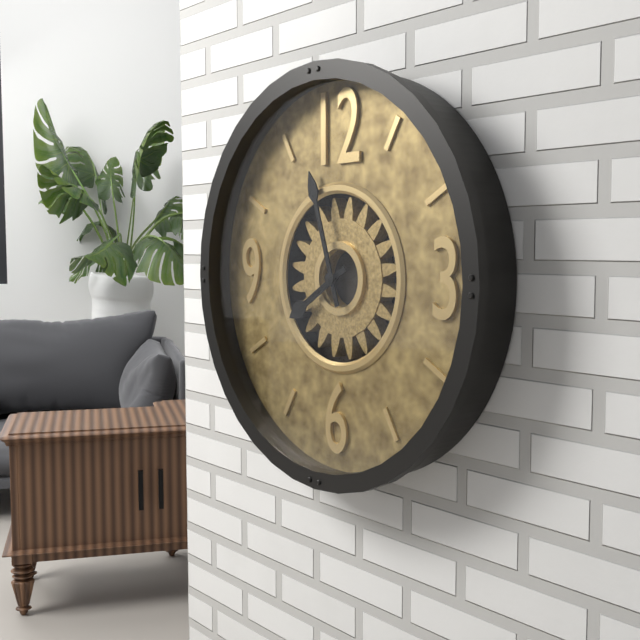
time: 7:57
